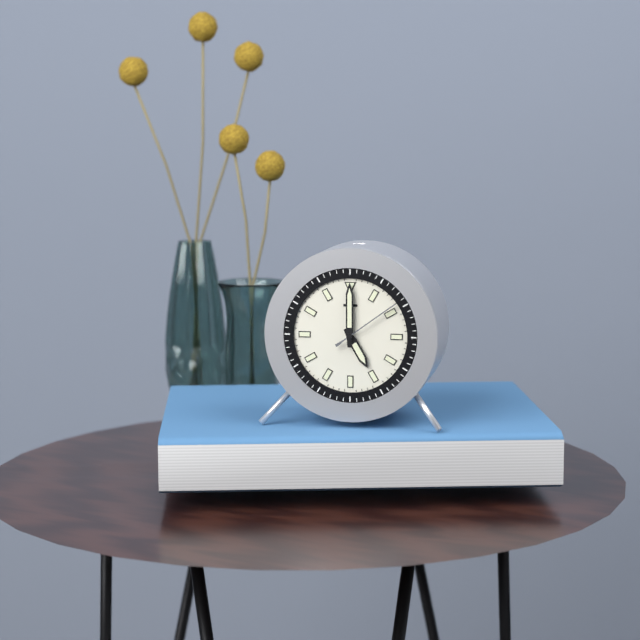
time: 5:00:09
